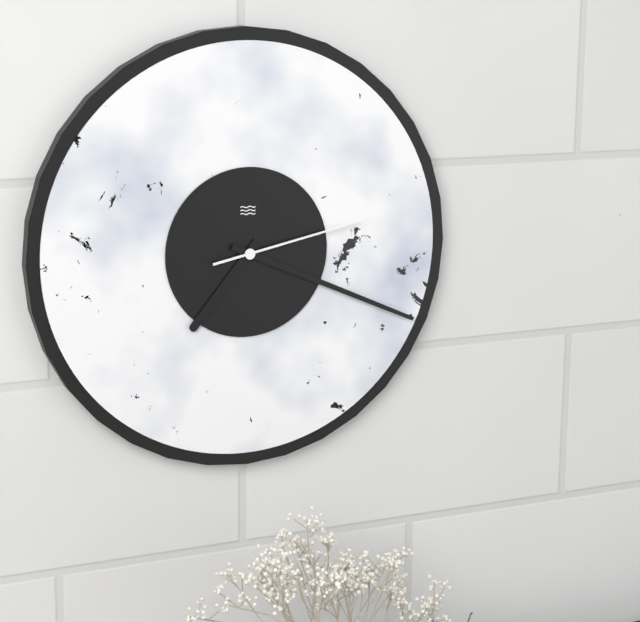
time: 7:19:13
